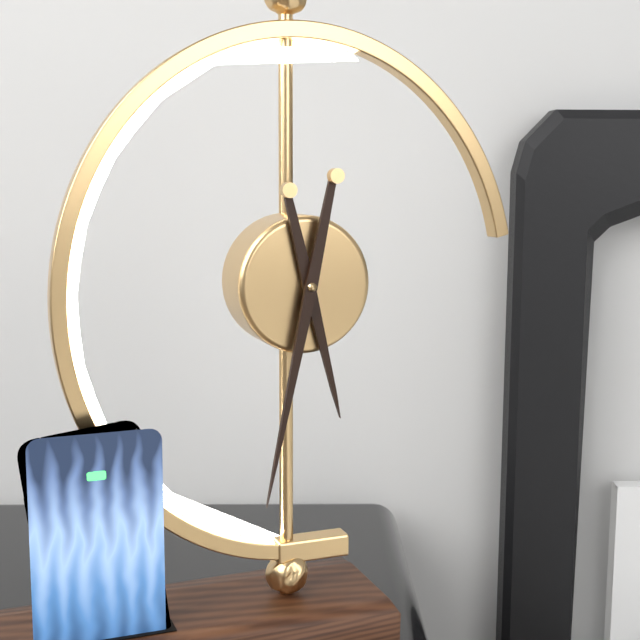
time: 5:32
